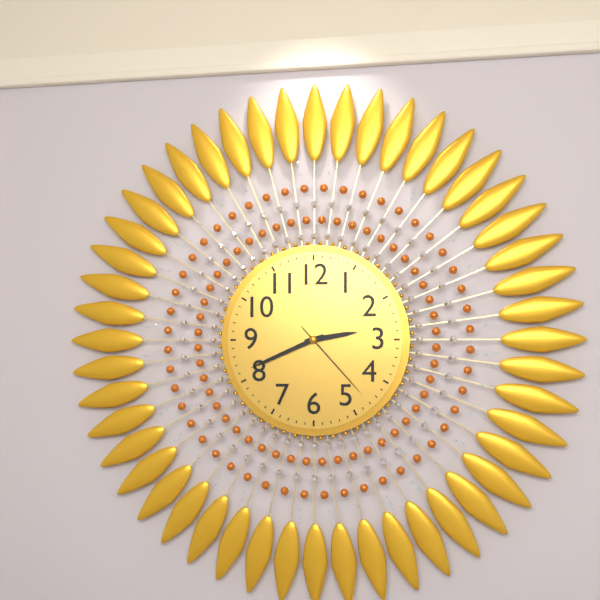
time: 2:41:23
